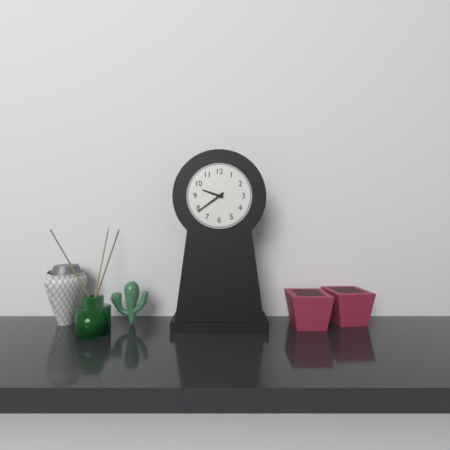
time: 9:39
